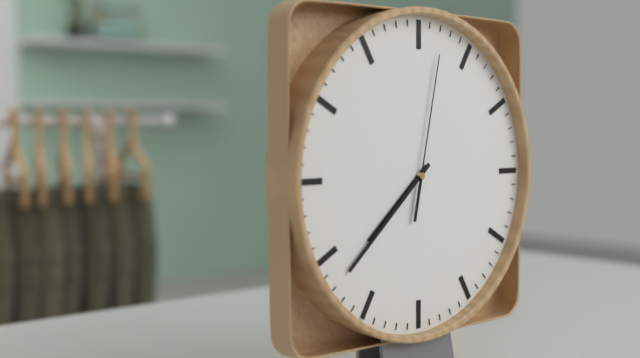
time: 7:38:02
